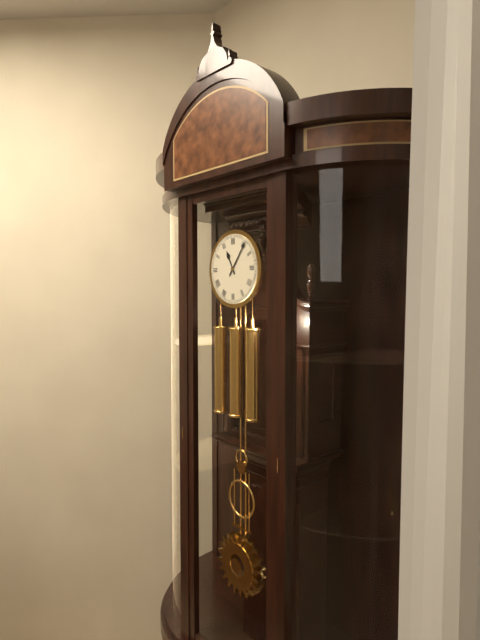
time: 11:06
